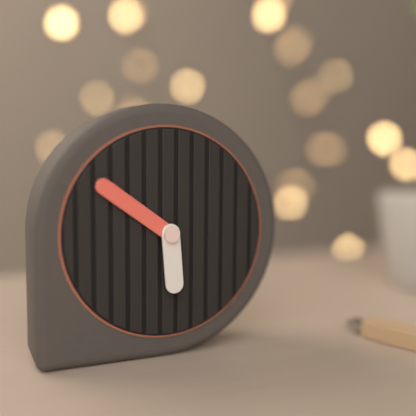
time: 5:51
